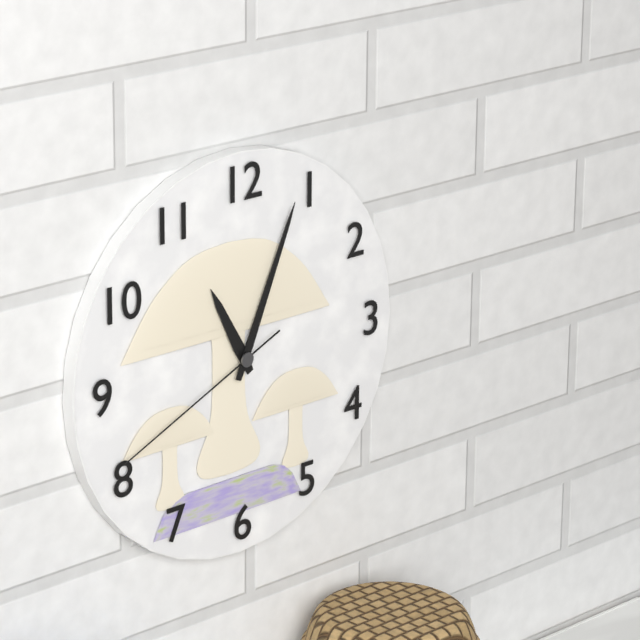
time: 11:04:41
